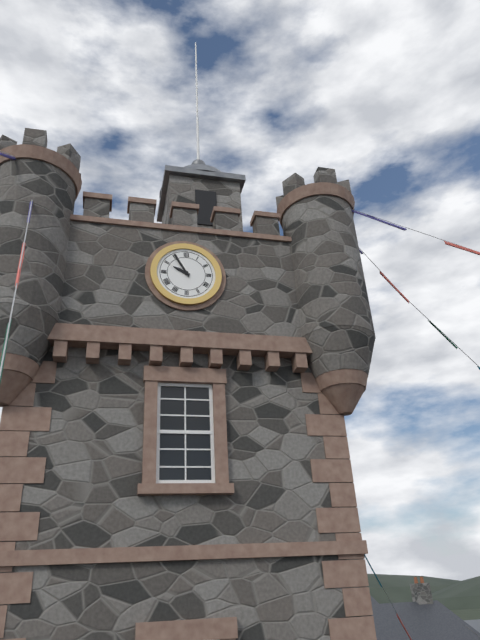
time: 9:55
